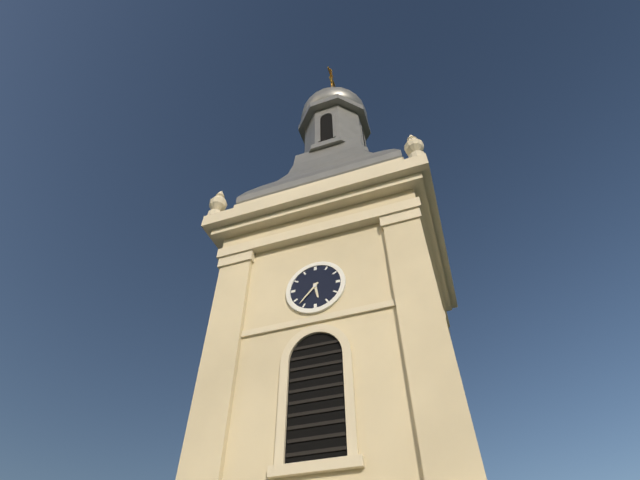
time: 5:37
